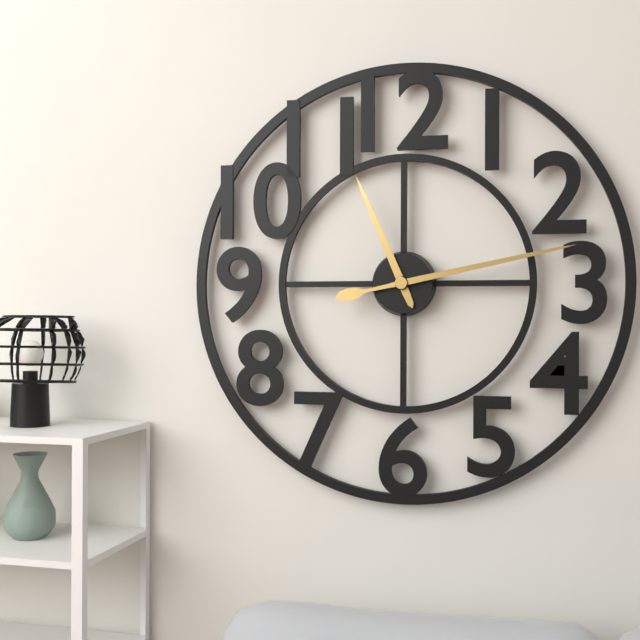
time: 11:13
